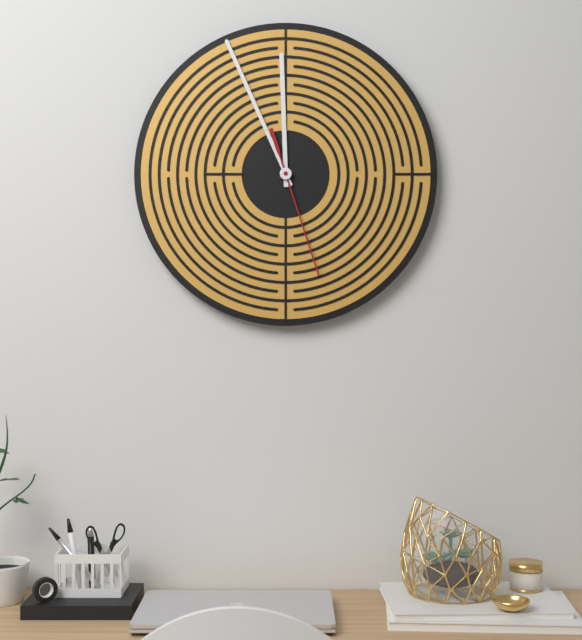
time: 11:56:27
